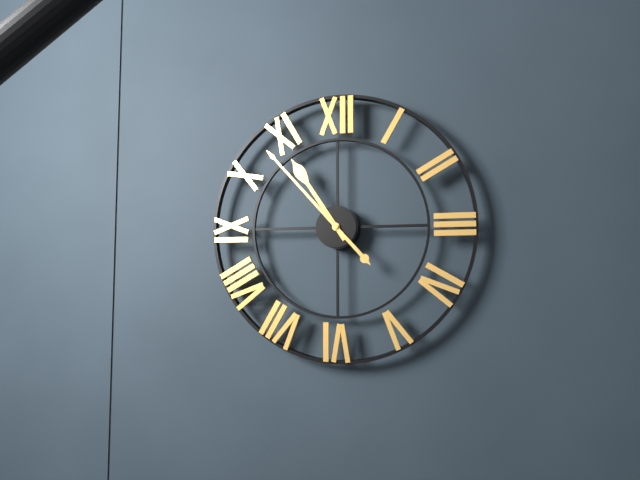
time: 10:53
